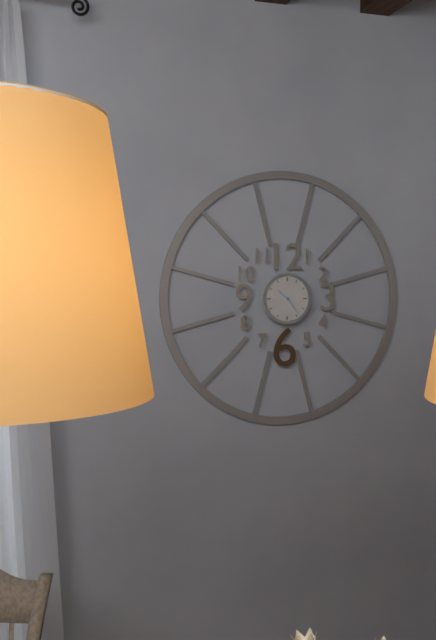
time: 10:24
